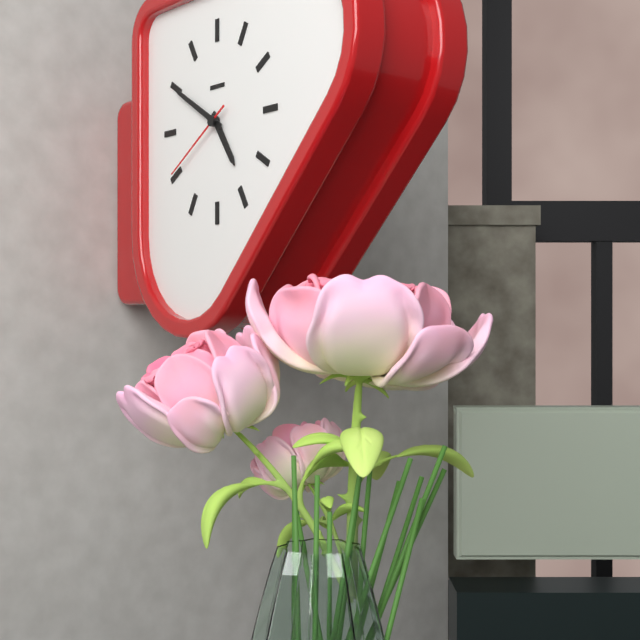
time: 4:50:40
